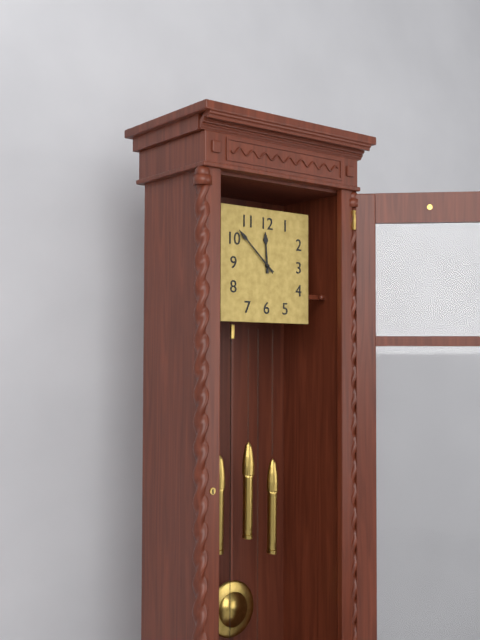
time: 11:52
